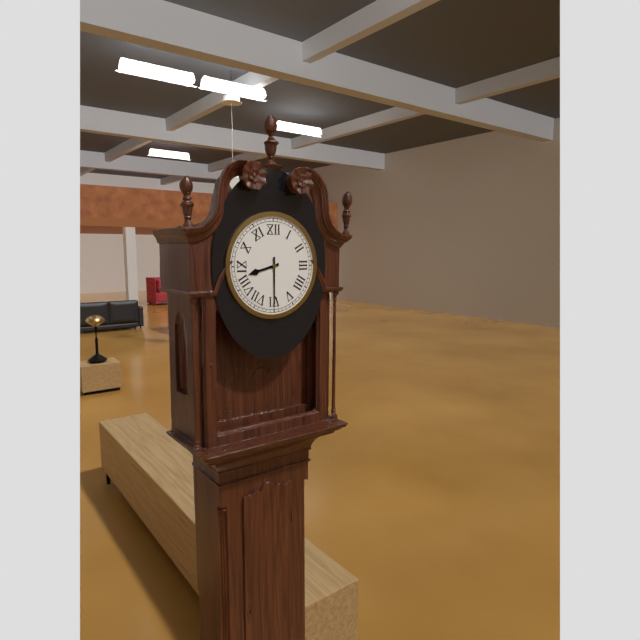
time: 8:30
